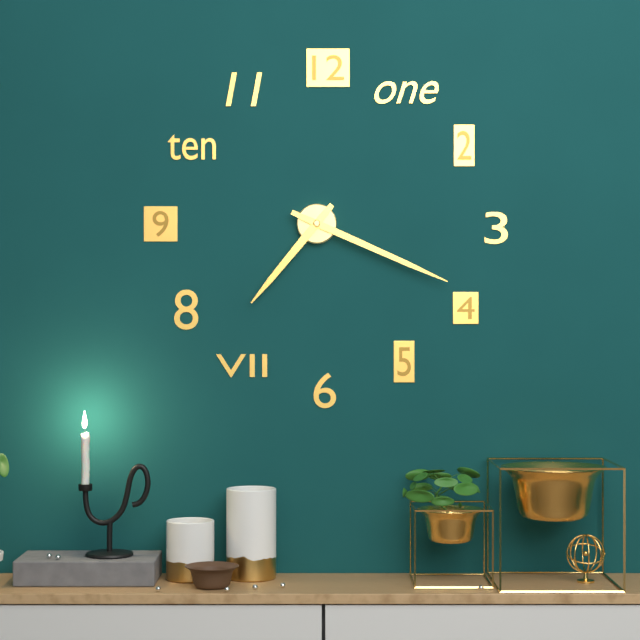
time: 7:19
